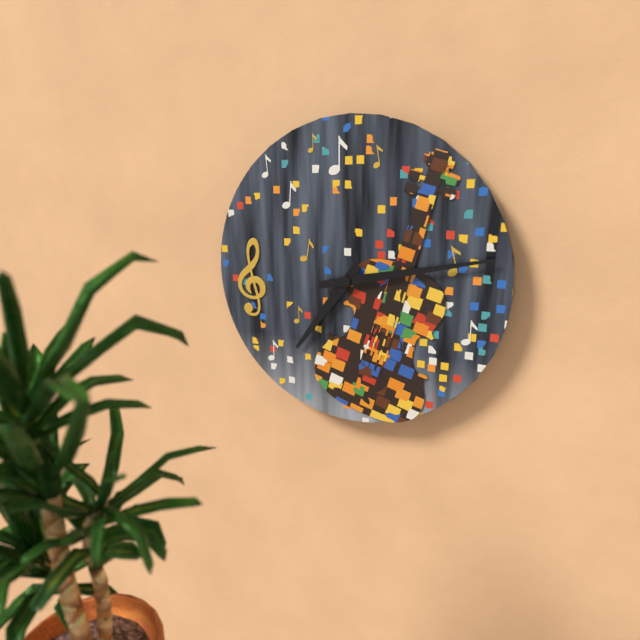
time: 7:13
